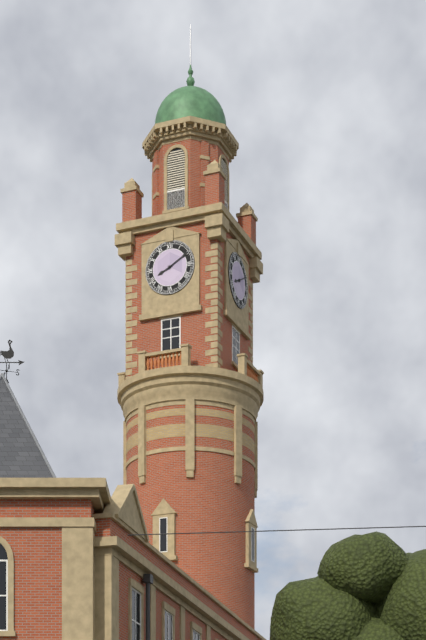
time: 8:10
